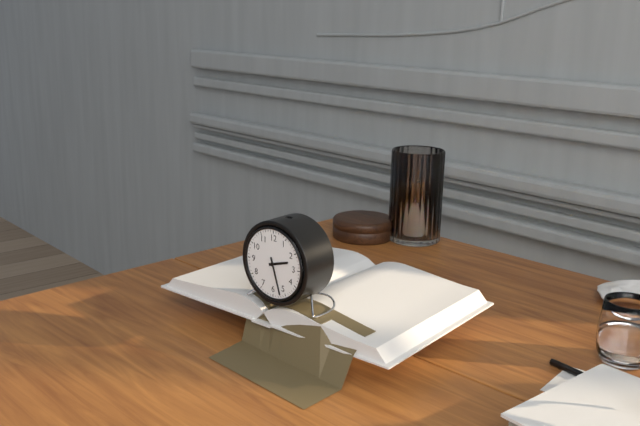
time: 2:27
